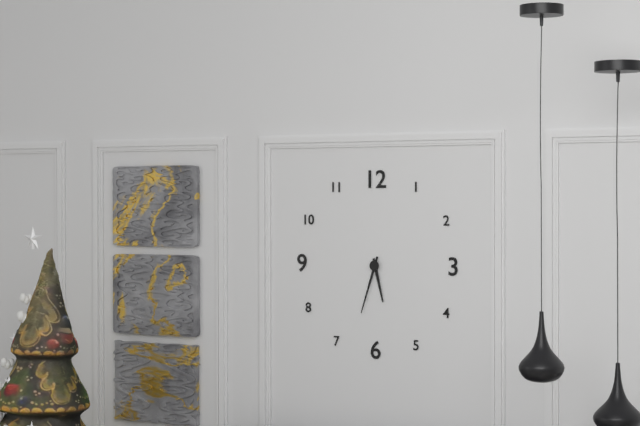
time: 5:33
